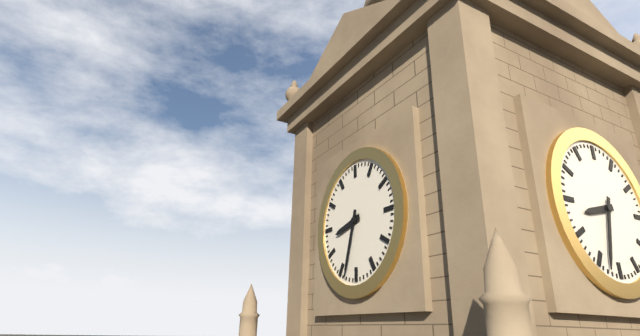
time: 8:33
